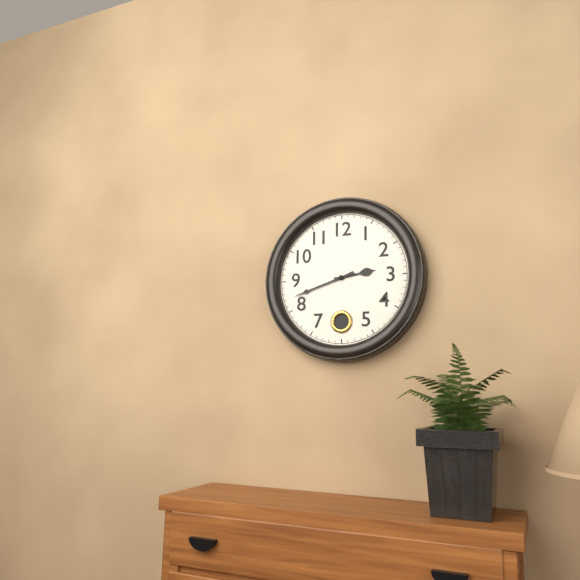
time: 2:42
